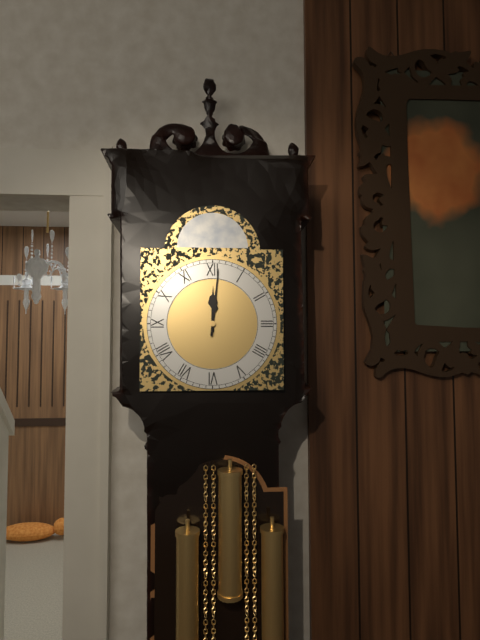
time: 12:01
